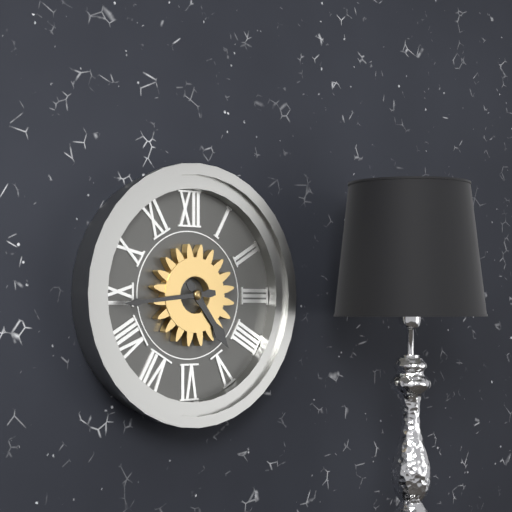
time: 4:44
